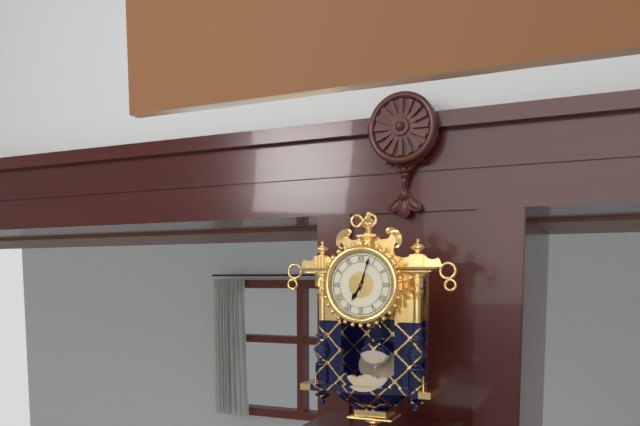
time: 7:03
